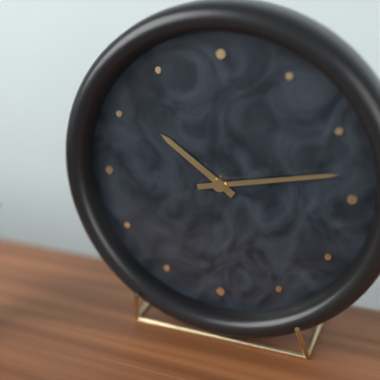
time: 10:13
